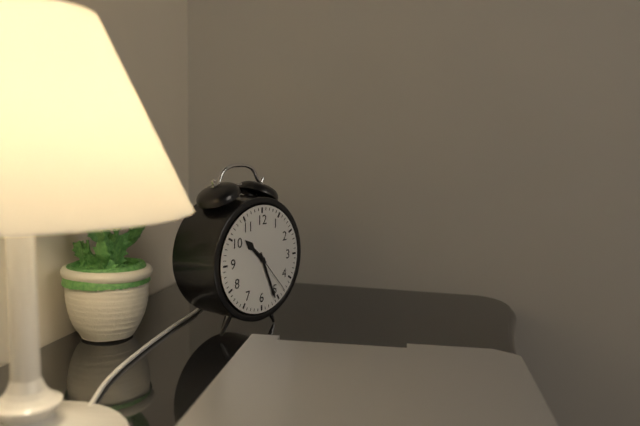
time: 10:26
